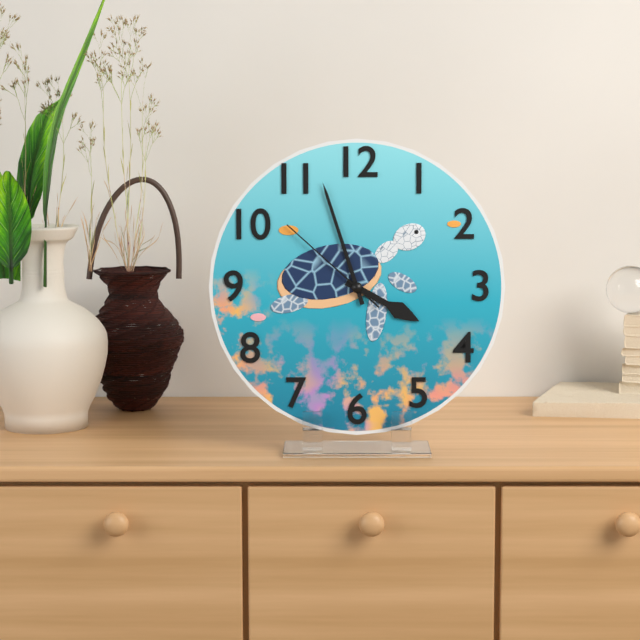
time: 3:57:52
